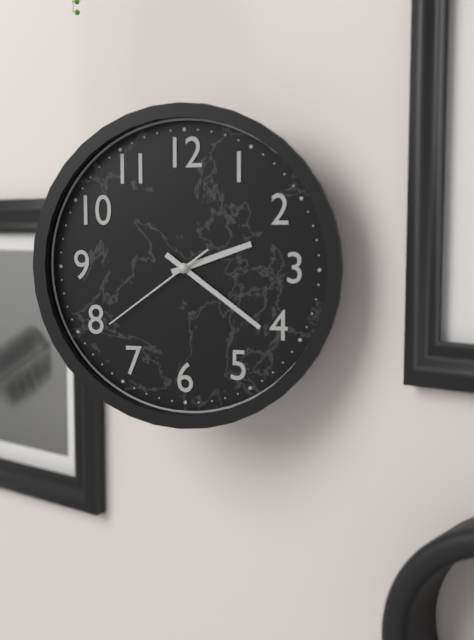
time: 2:21:39
